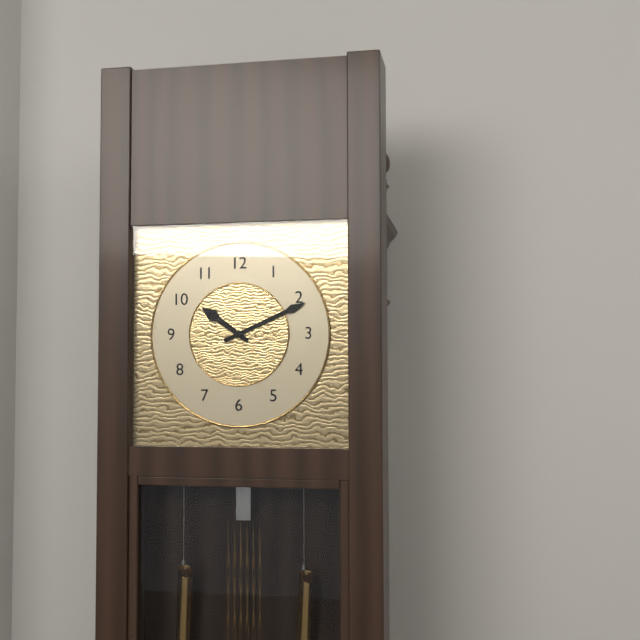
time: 10:11
